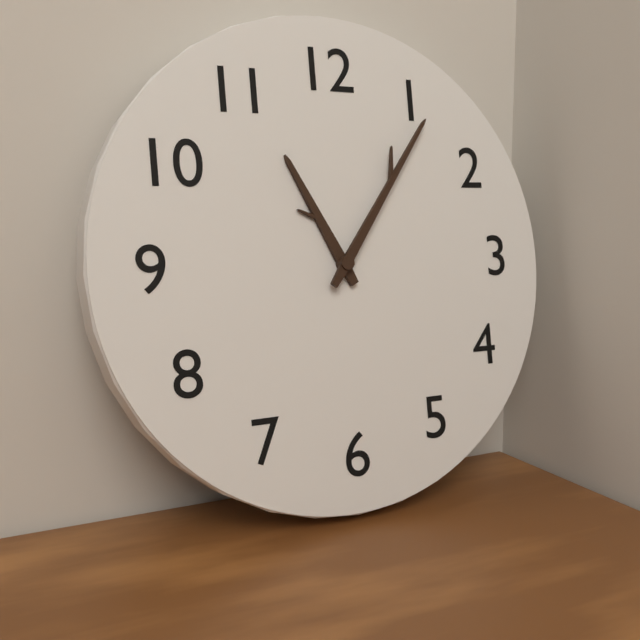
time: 11:06
